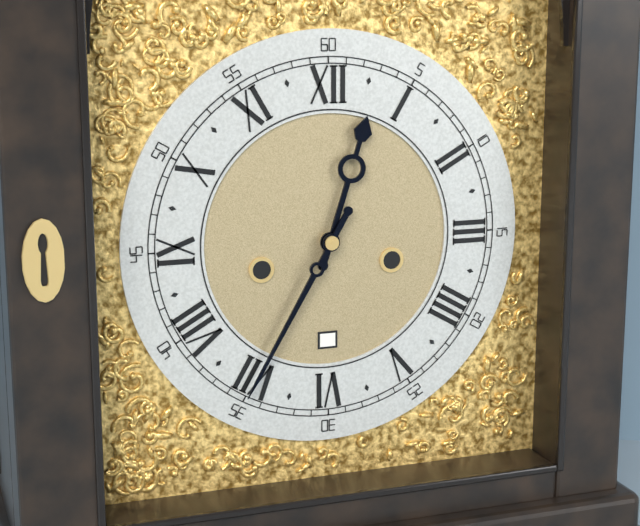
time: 12:35
